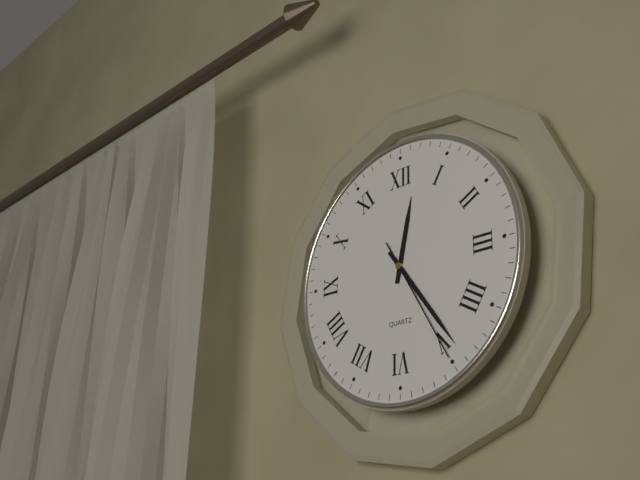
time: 12:24:25
